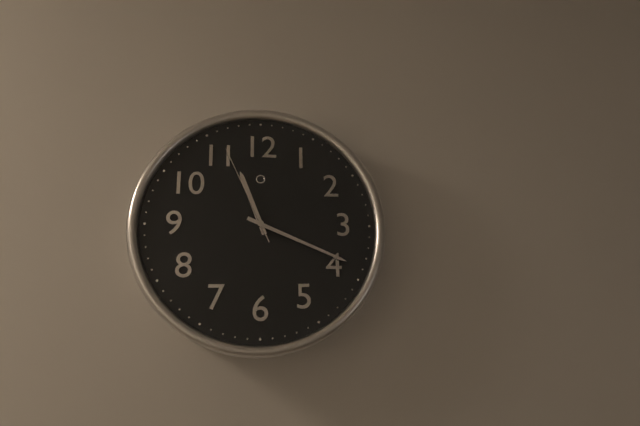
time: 11:19:56
